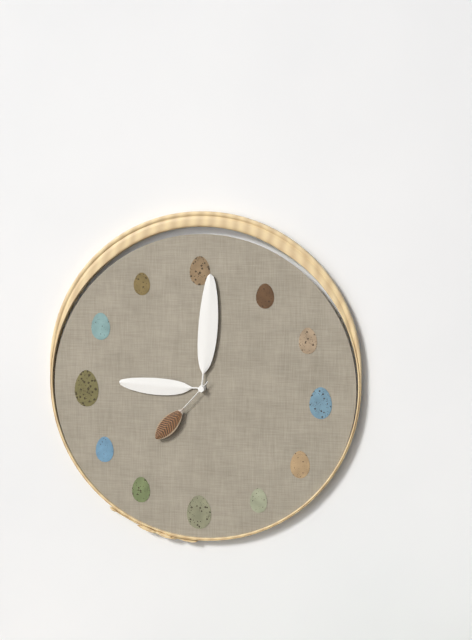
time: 9:01:37
